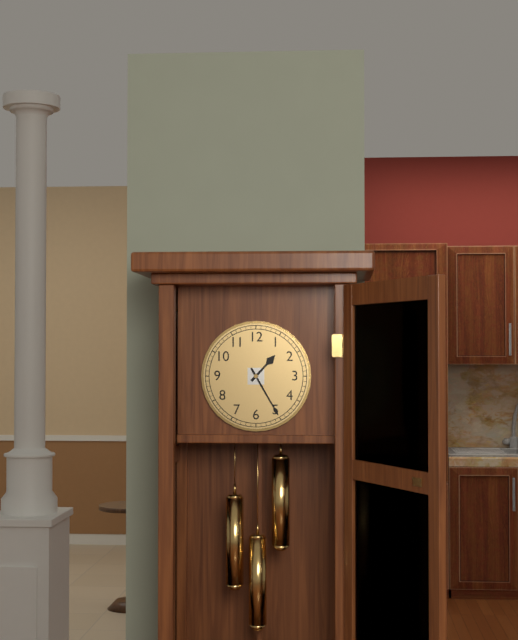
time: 1:25
